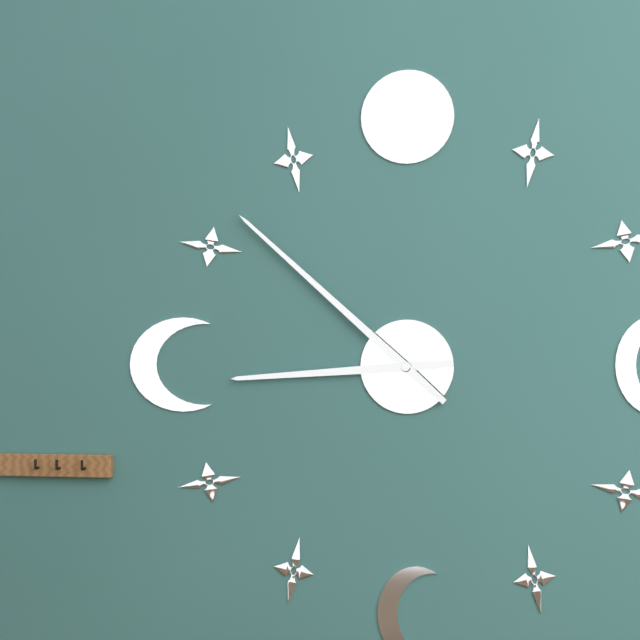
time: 8:52
